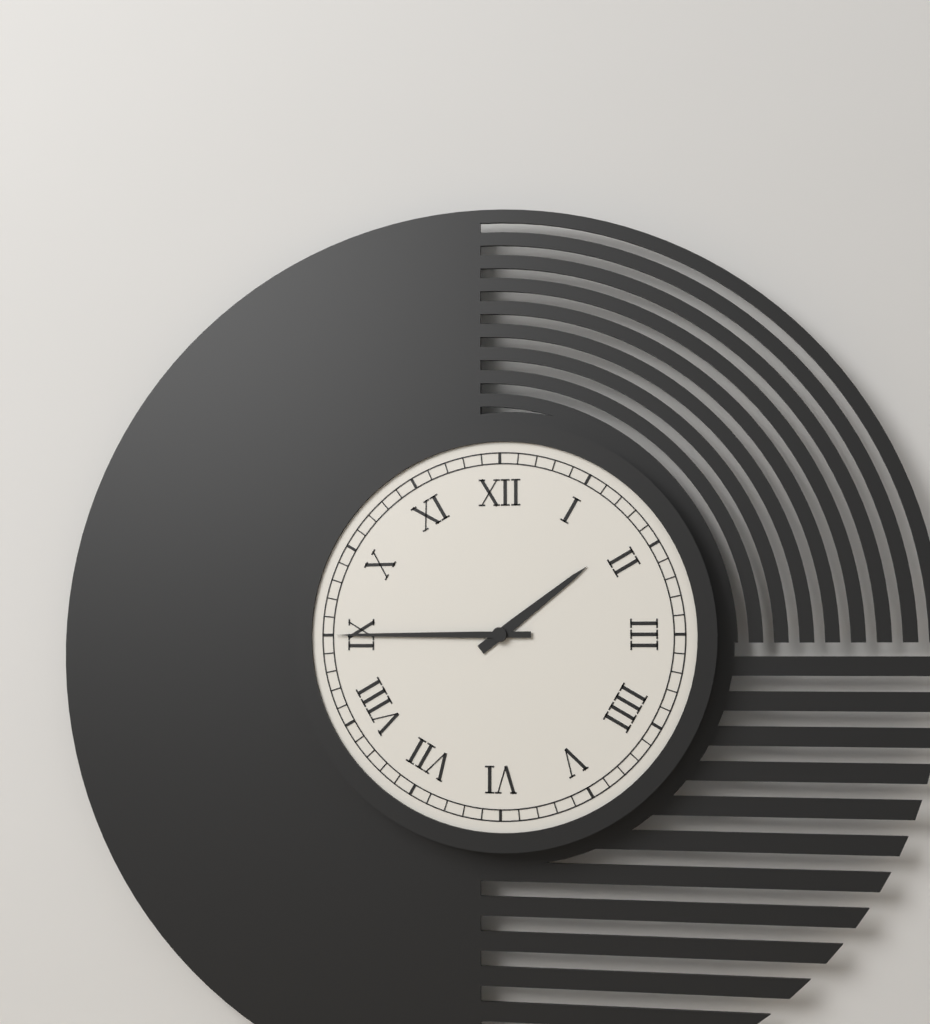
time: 1:45
